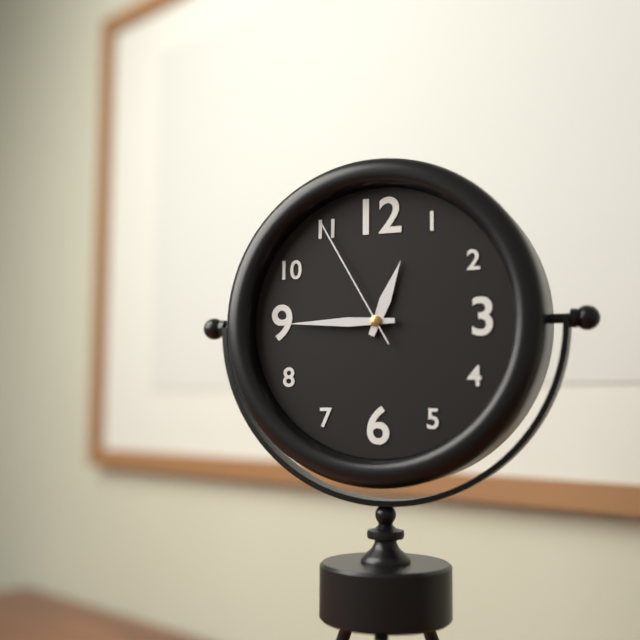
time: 12:45:55
